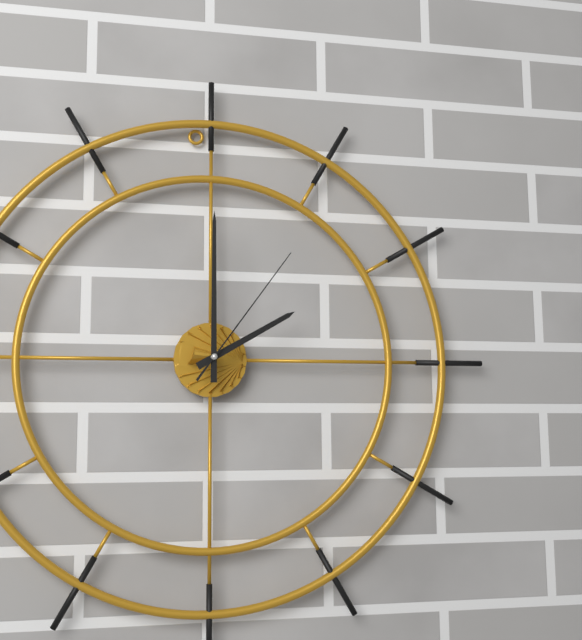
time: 2:00:06
